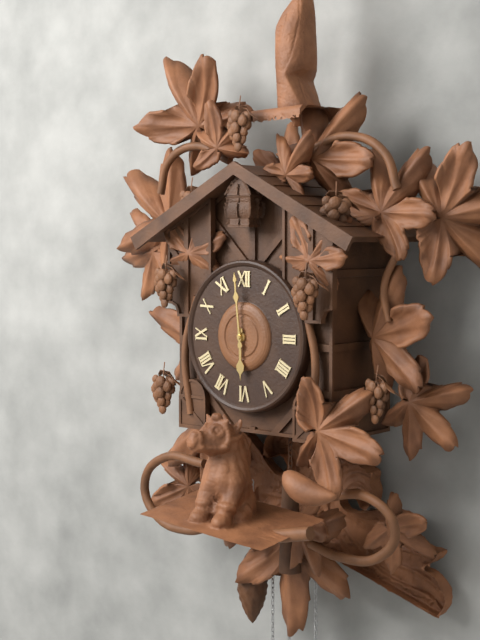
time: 5:59
